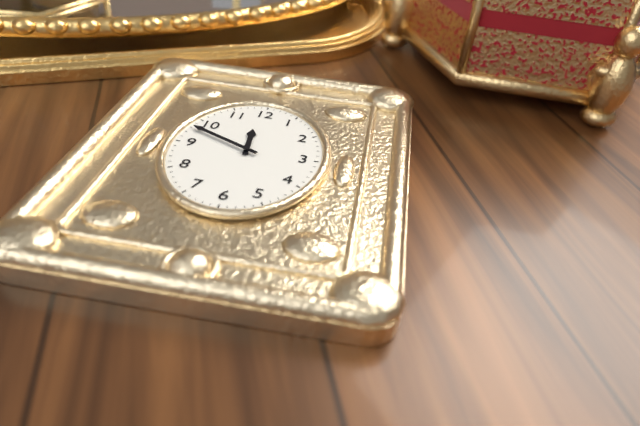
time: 11:49
